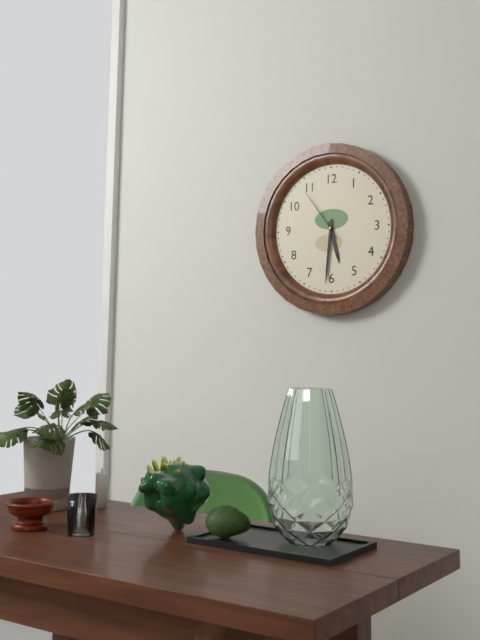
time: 5:31:54
